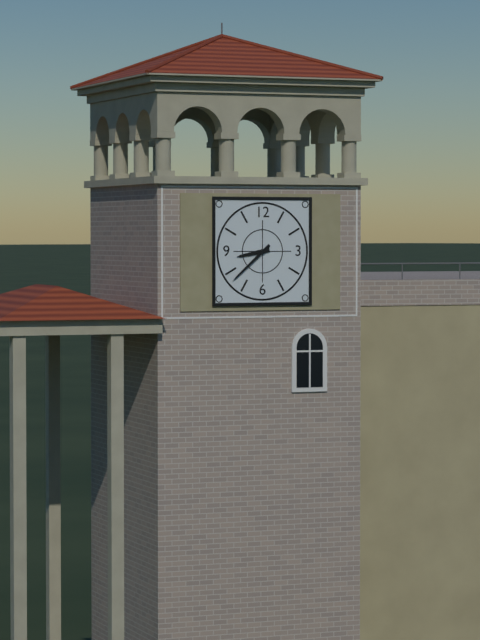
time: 8:38
